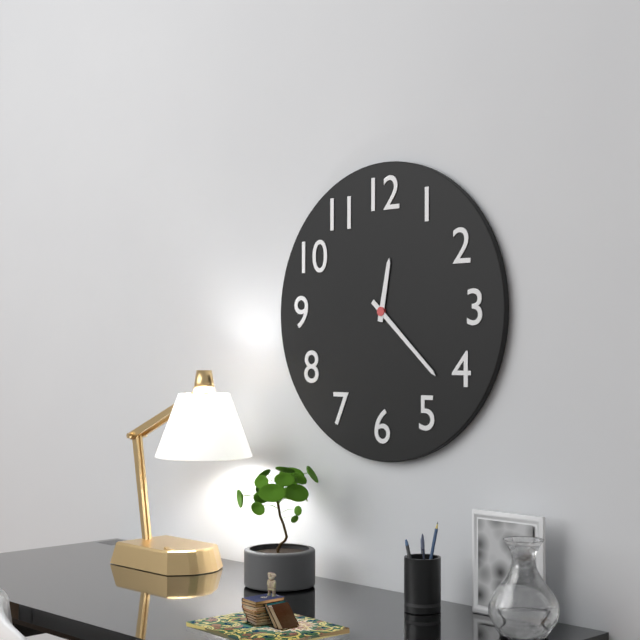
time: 12:22
